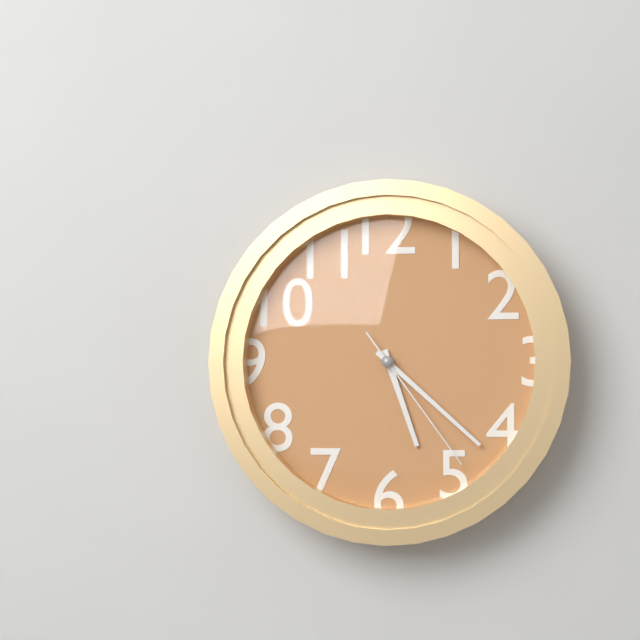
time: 5:22:24
